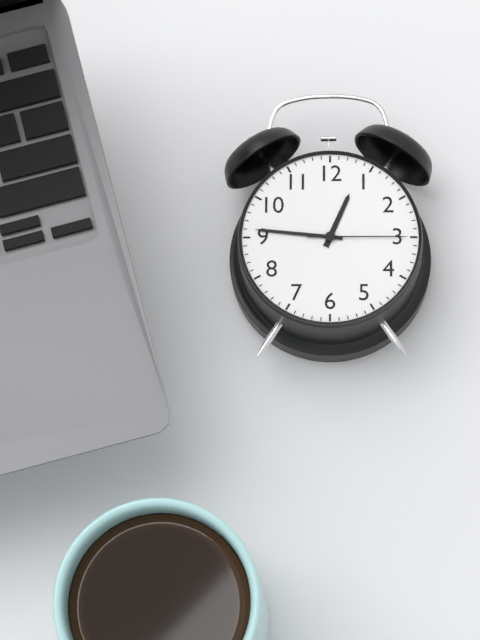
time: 12:46:15
